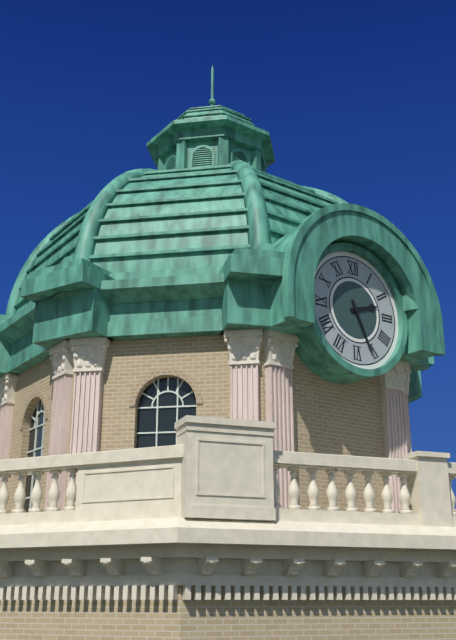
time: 2:26
